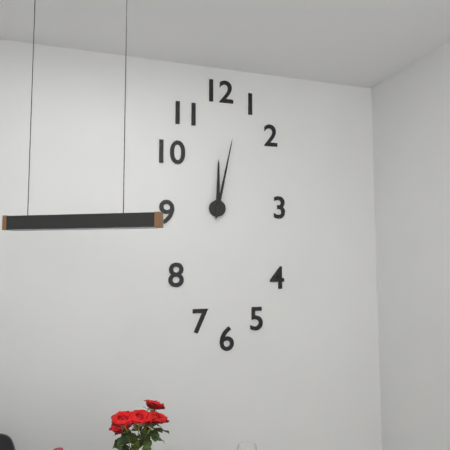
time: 12:02
